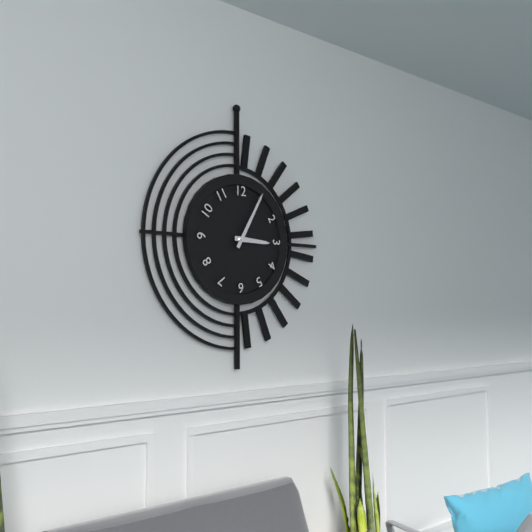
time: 3:05
